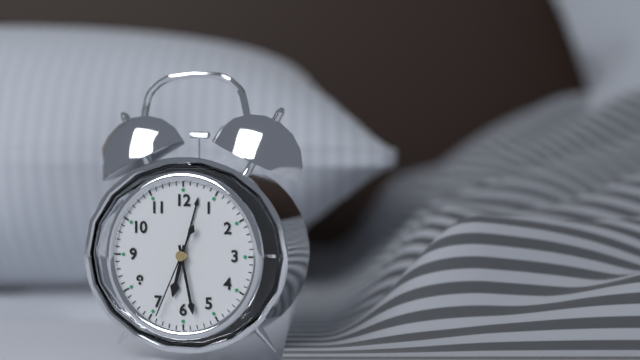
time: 6:28:34
